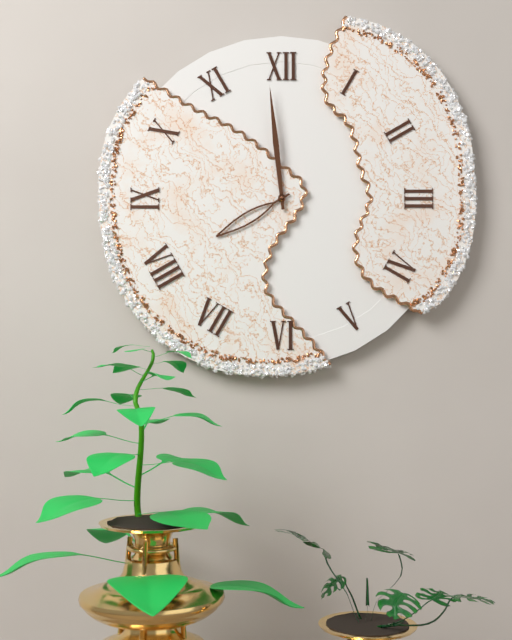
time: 7:59
